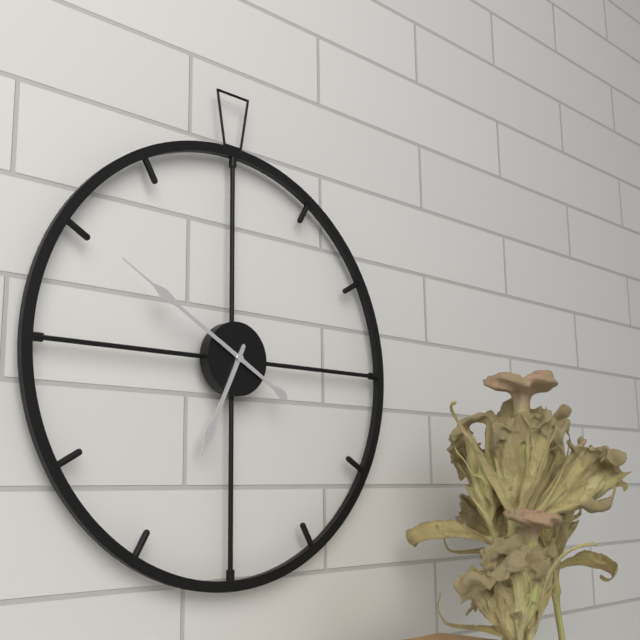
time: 6:50
